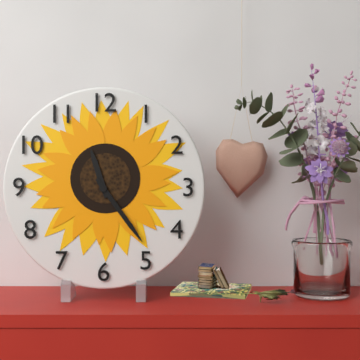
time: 11:24
